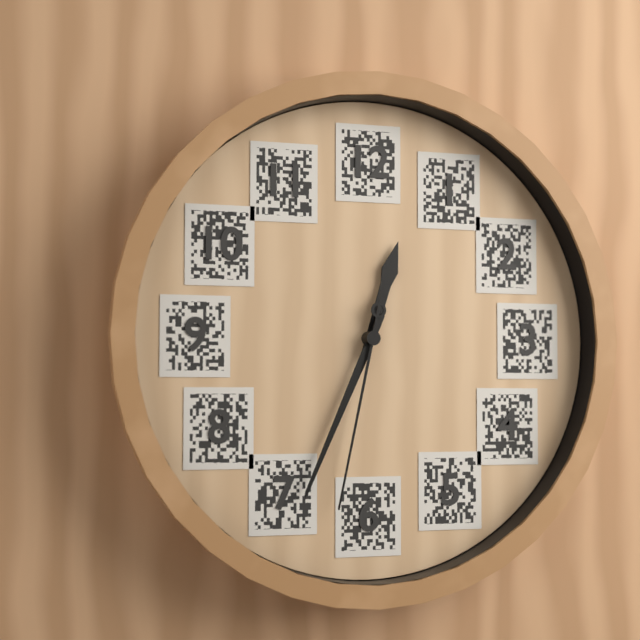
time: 12:34:32
